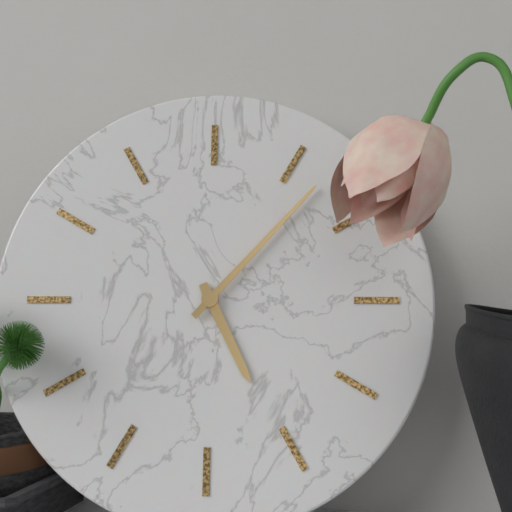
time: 5:07
